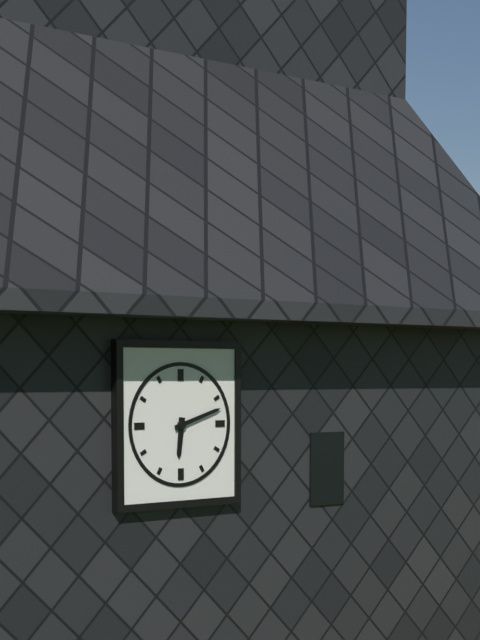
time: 6:12
